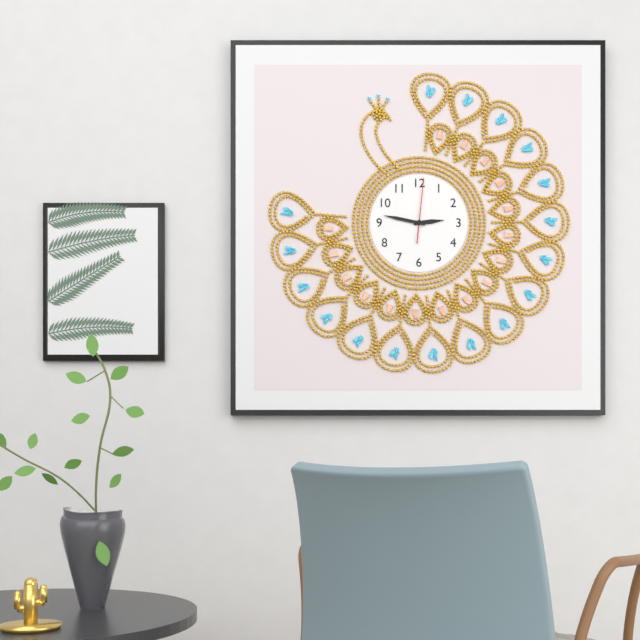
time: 2:47:01
